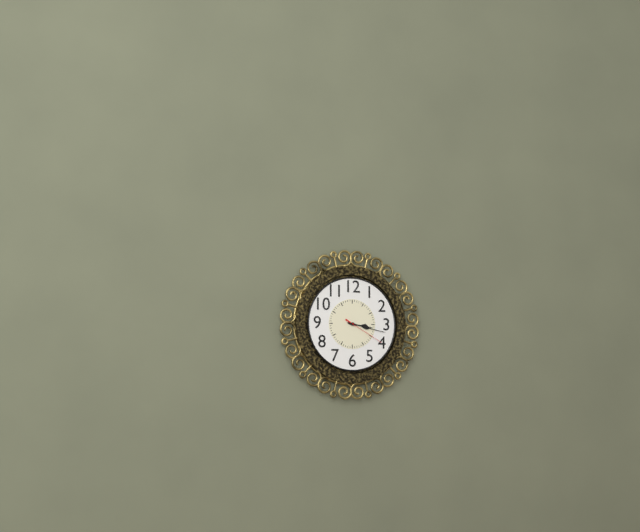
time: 3:17
